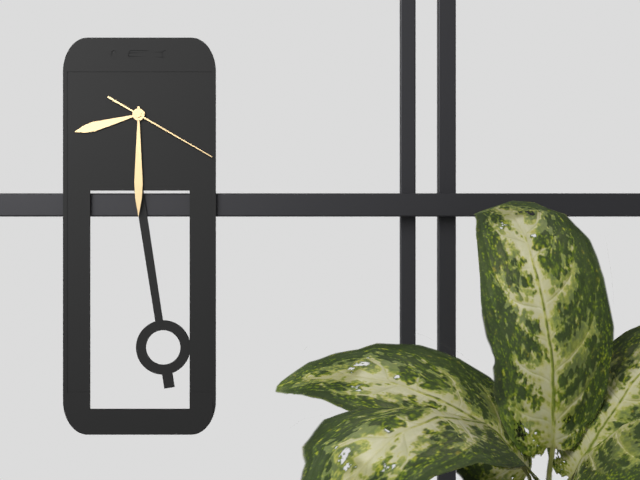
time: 8:30:20
